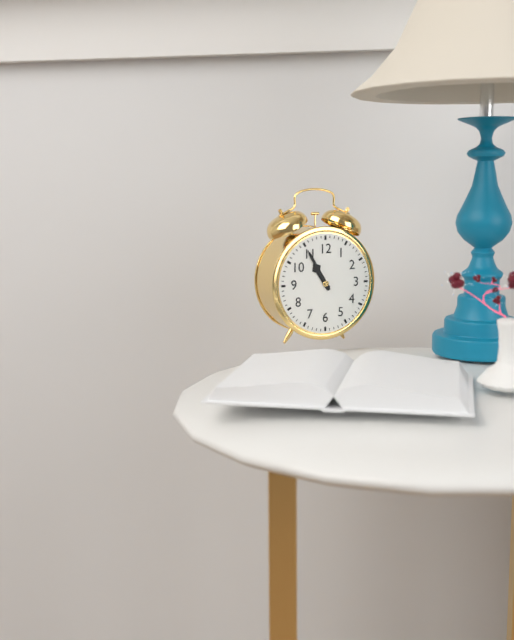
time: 10:55
